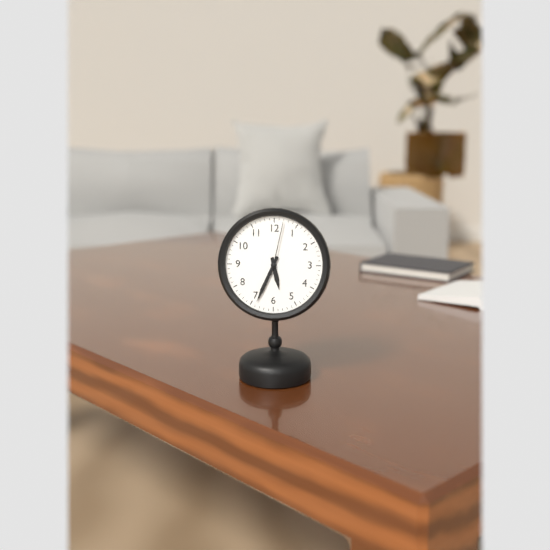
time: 5:34:02
